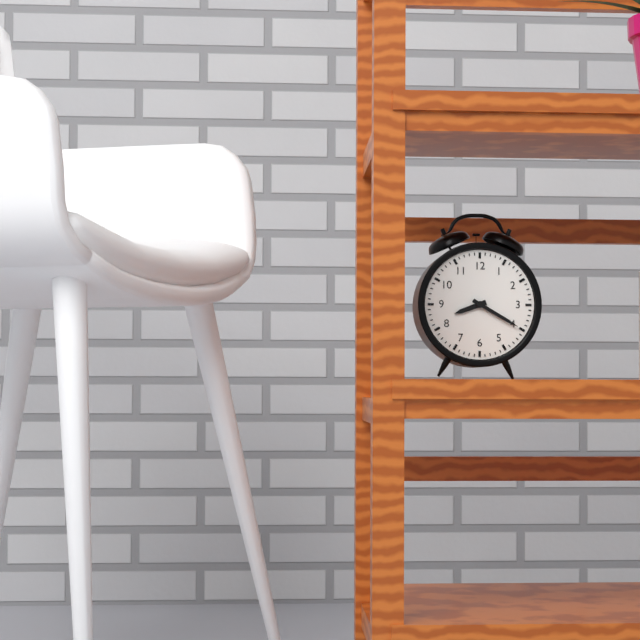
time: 8:20
